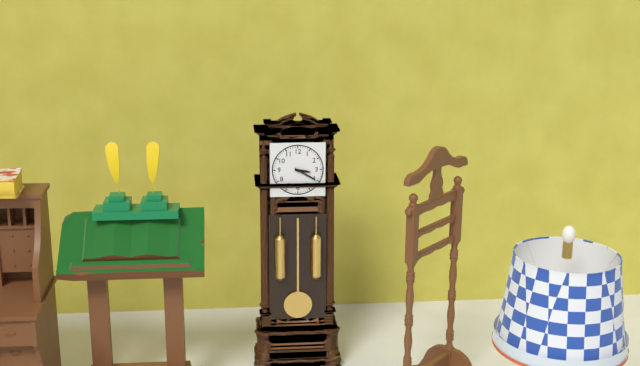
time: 3:20
